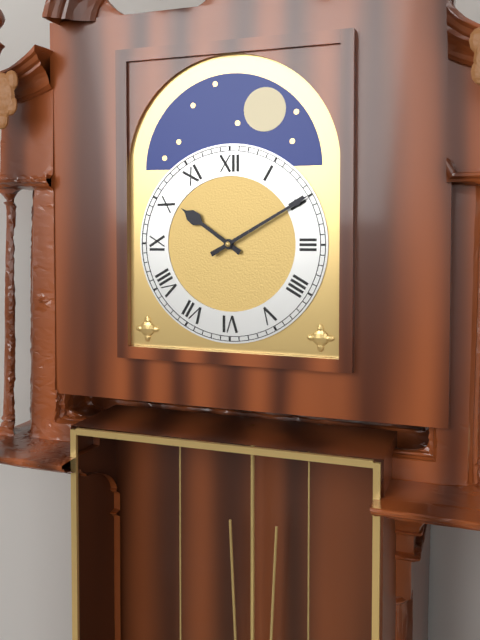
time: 10:10
